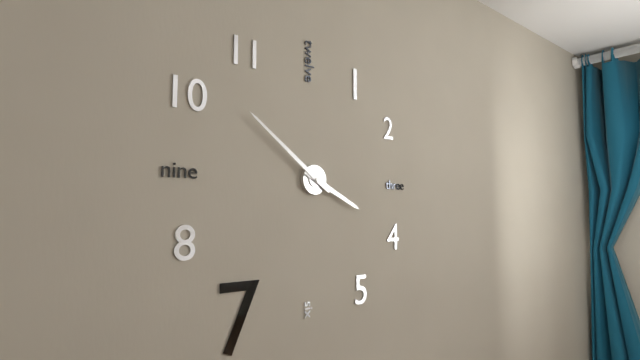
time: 3:51
